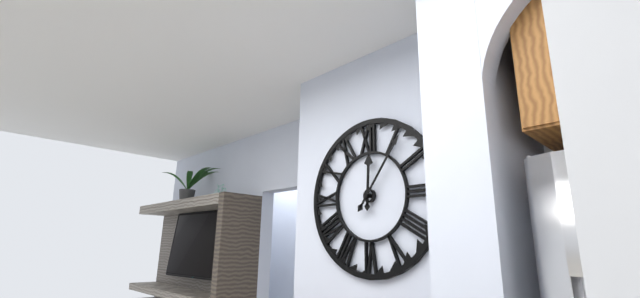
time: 12:06
